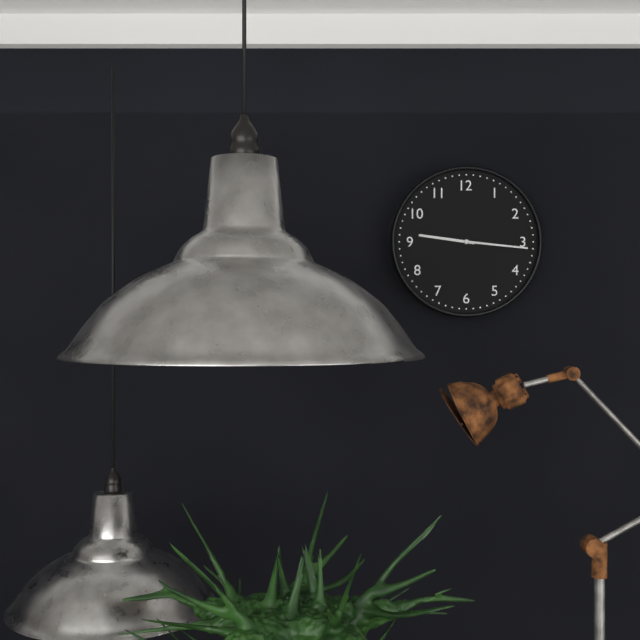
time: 9:16
